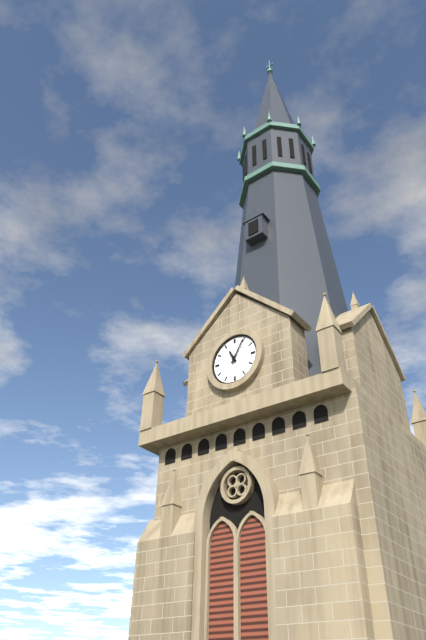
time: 11:05
